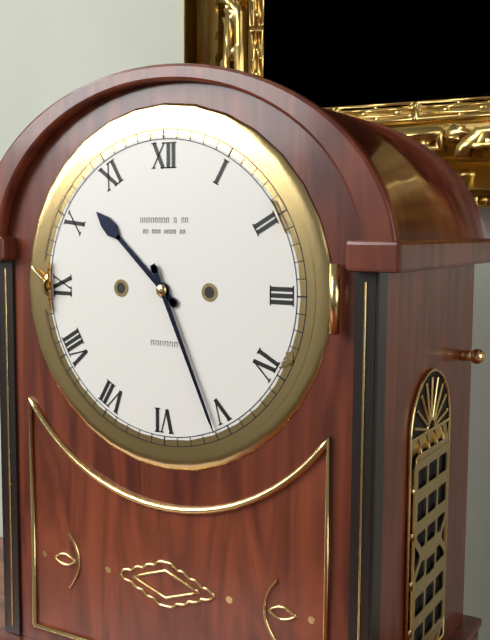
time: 10:26
